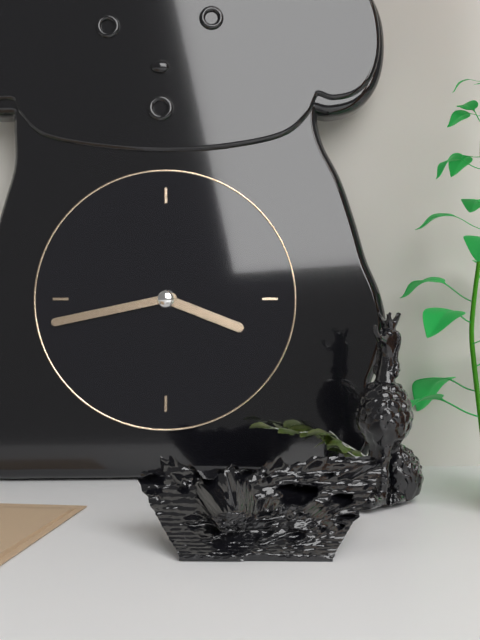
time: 3:43
